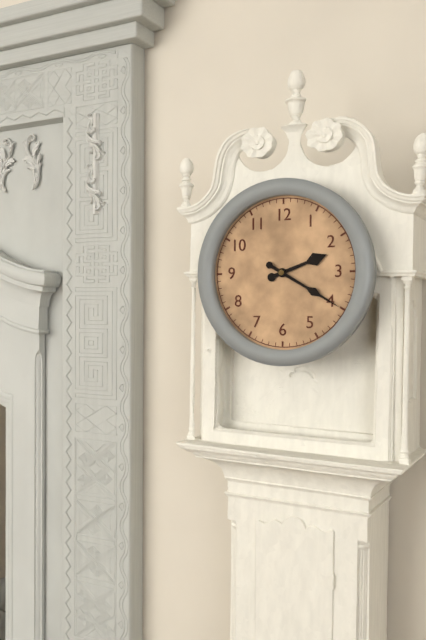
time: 2:20
